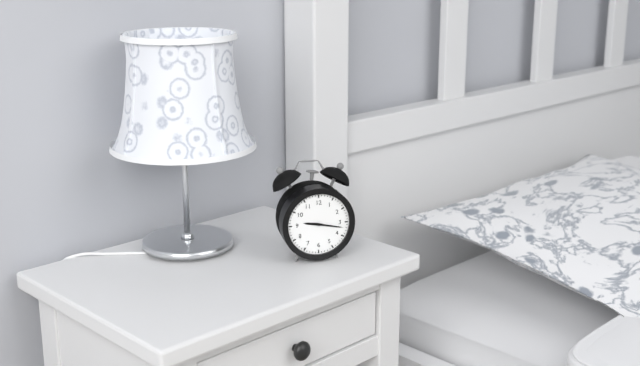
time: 9:17
